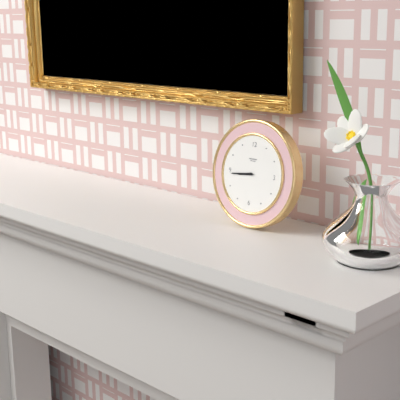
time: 8:44
